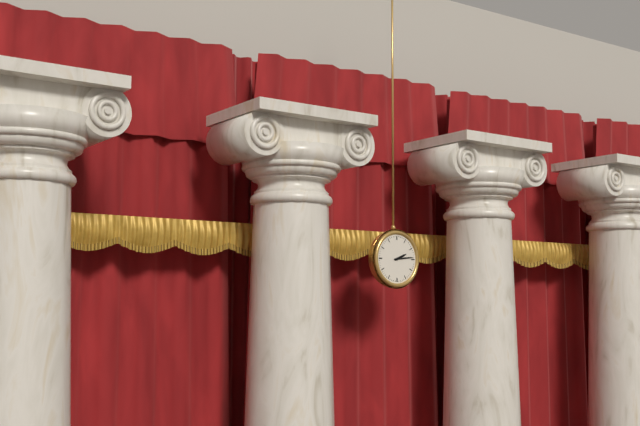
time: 2:14
